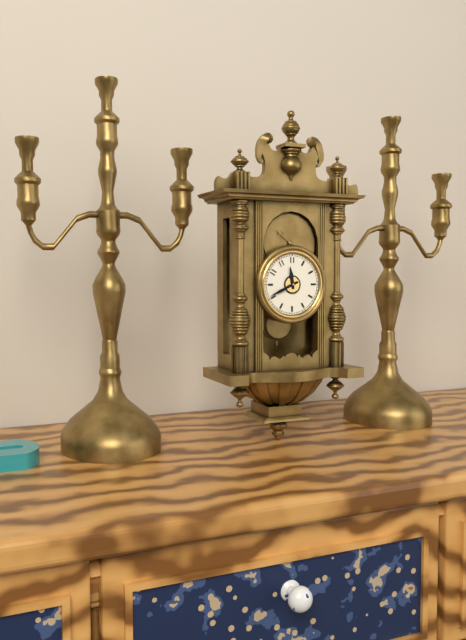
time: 11:41
